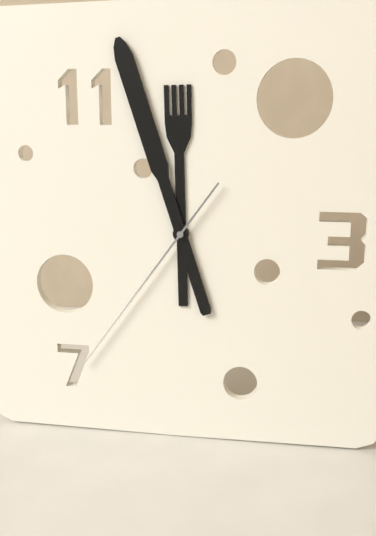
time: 11:57:36
